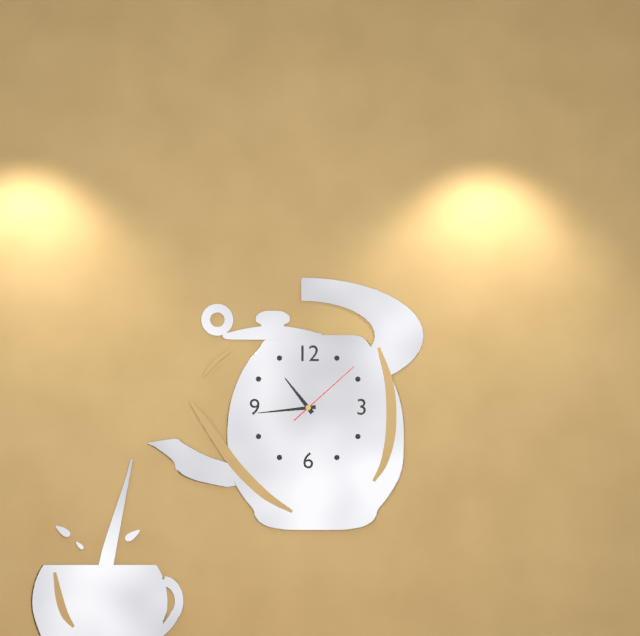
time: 10:44:08
